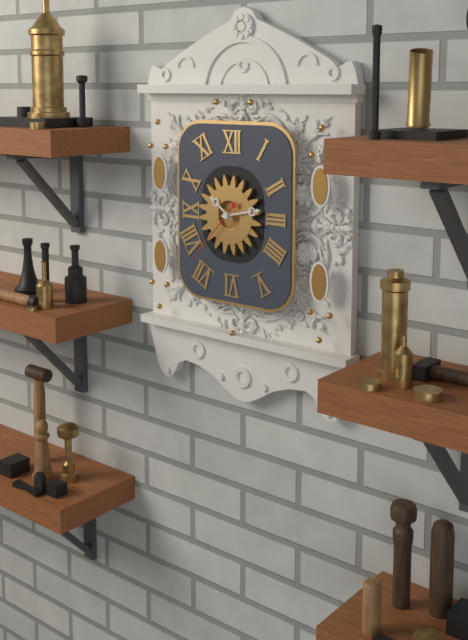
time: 10:13:37
